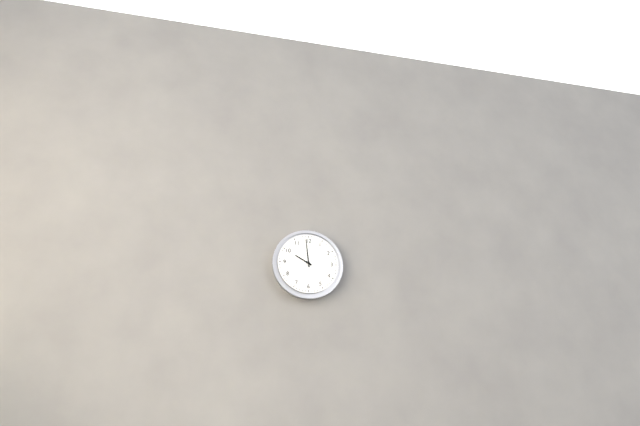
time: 9:59
